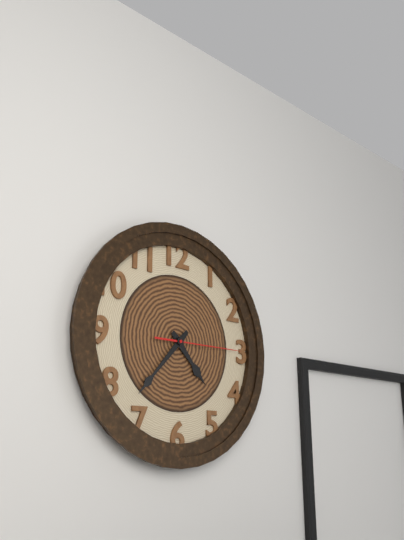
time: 4:37:15
